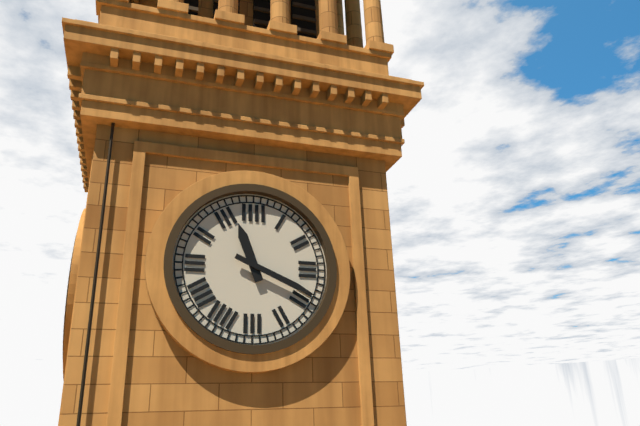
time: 11:19
